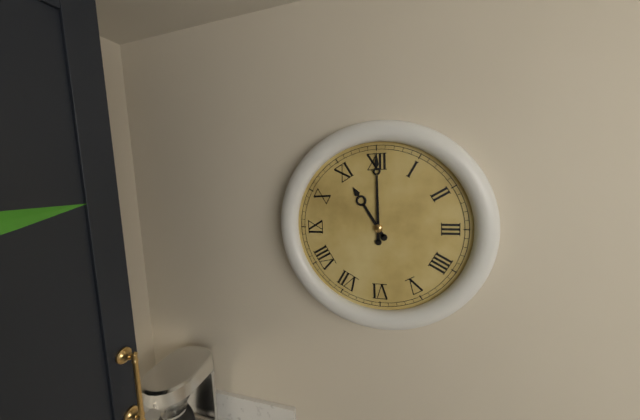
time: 11:00
